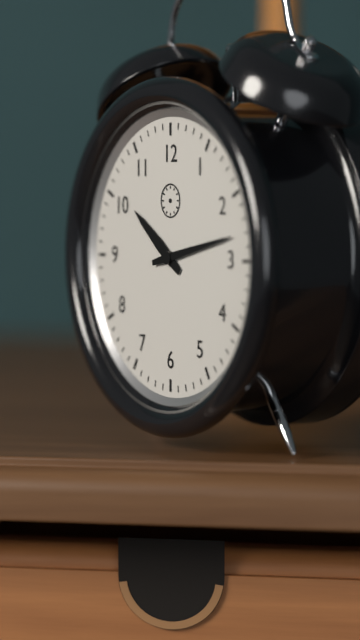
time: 10:13
